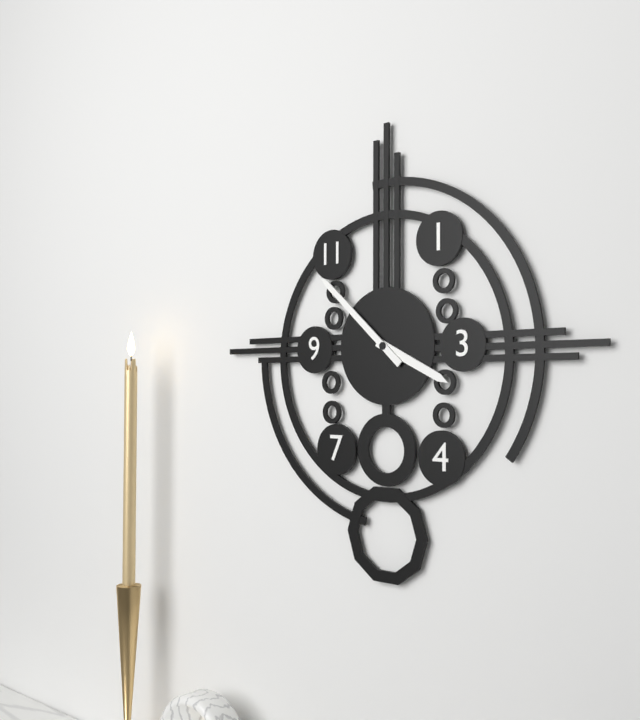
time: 3:52
